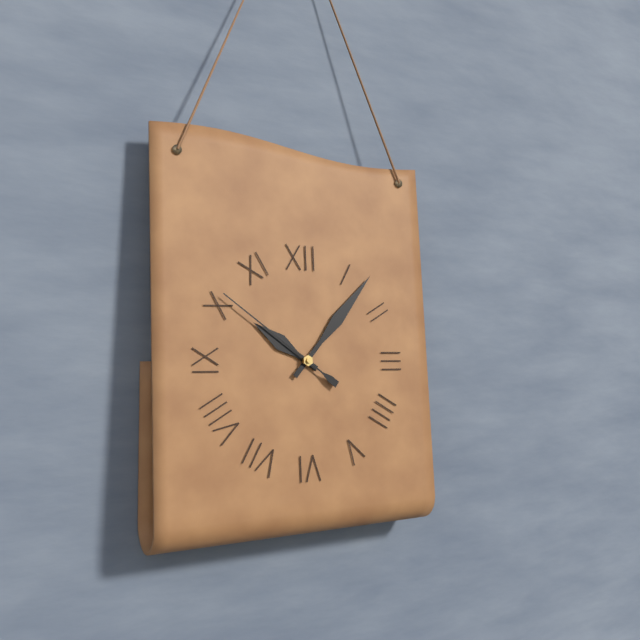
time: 10:07:51
